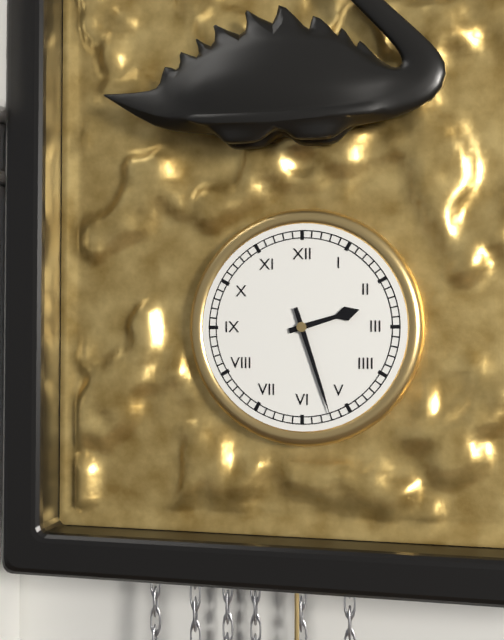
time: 2:27
